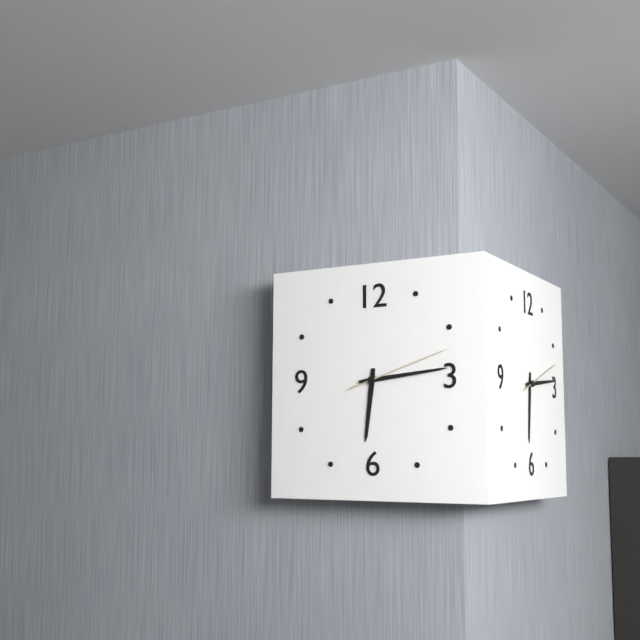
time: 6:14:12
